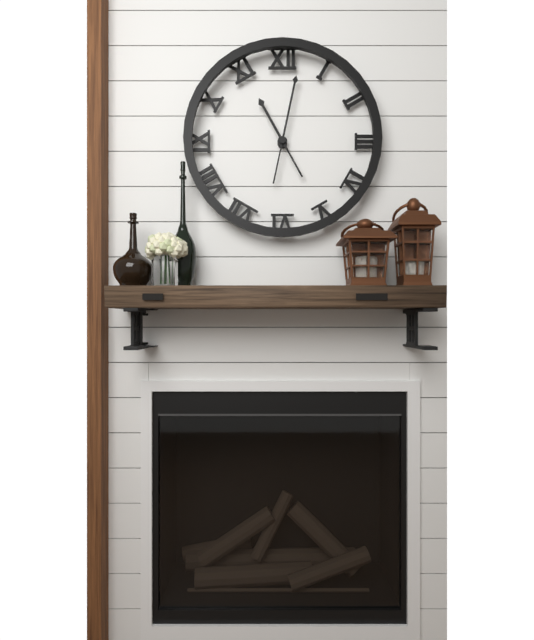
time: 11:02
